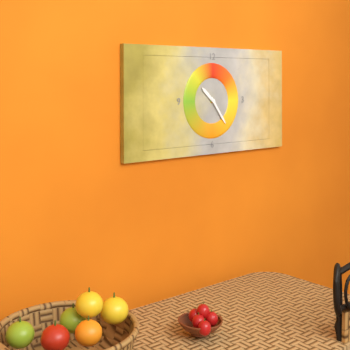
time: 10:24
